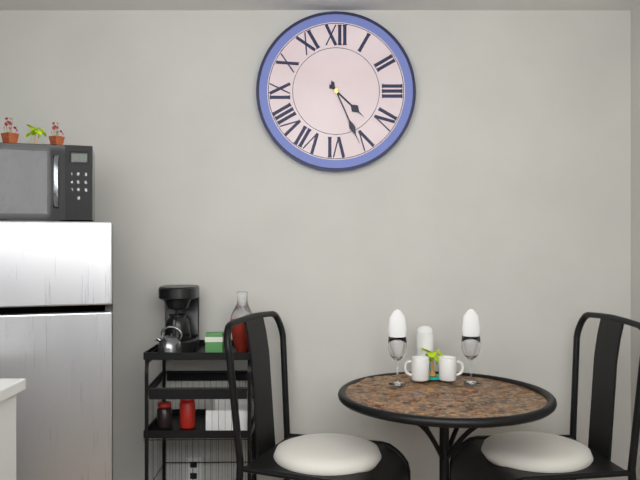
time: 4:26
